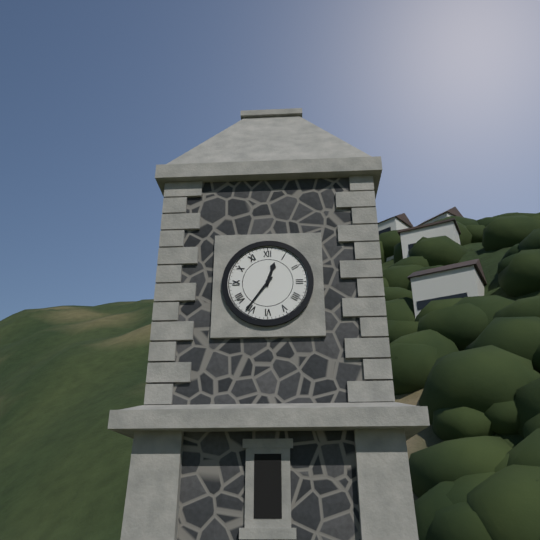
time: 12:36
